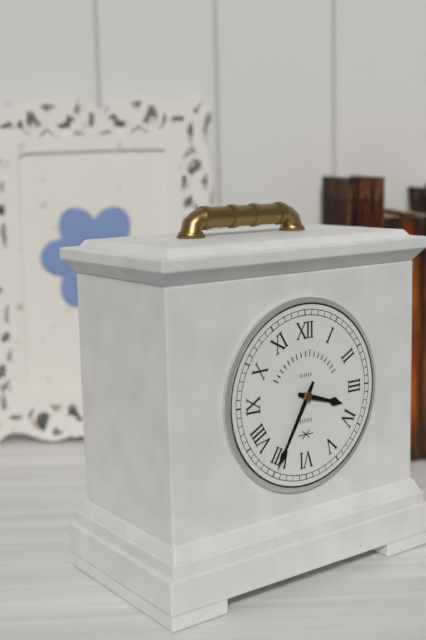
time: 3:35
